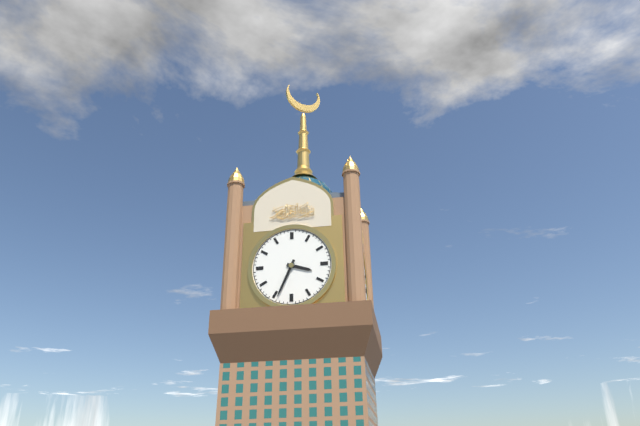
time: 3:34
